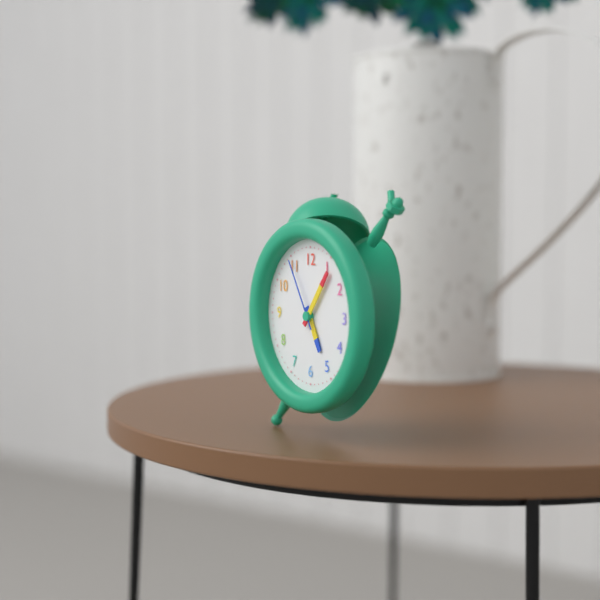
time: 5:06:55
